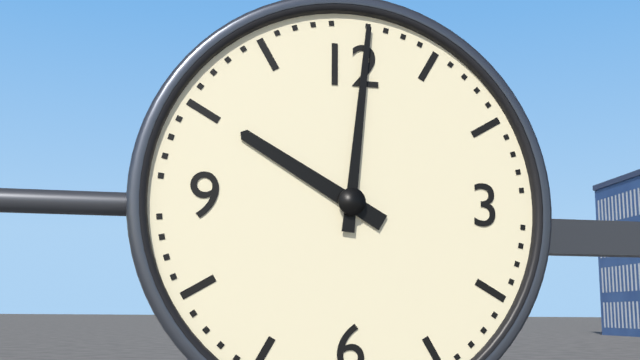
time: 10:01
